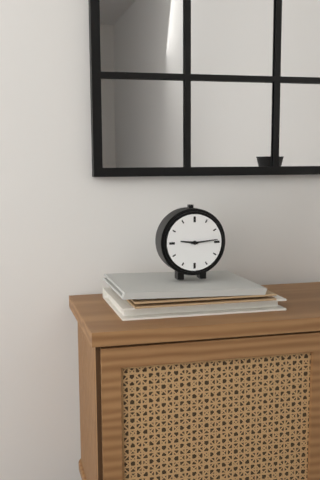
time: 9:14
